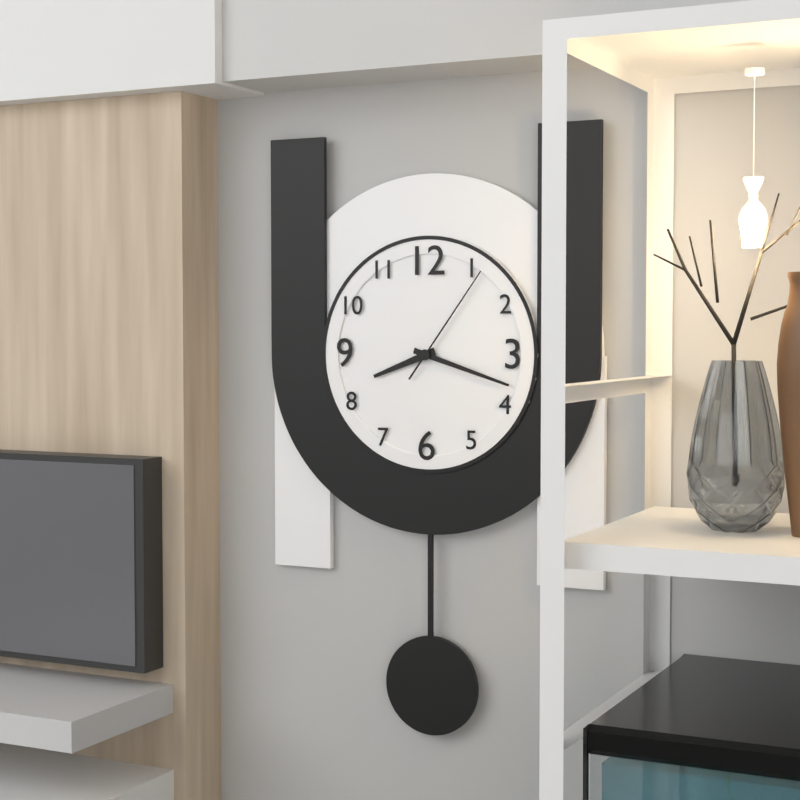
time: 8:18:06
